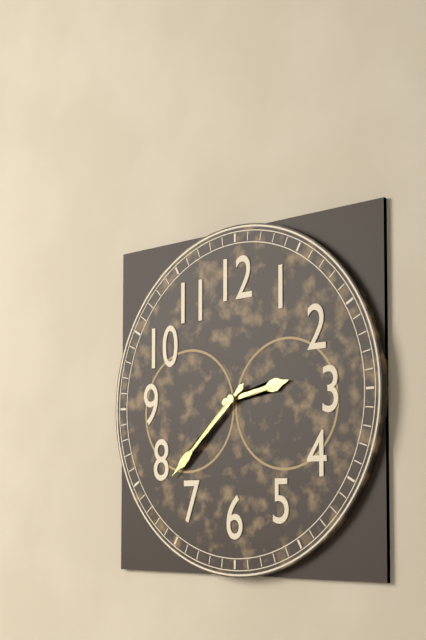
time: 2:38
